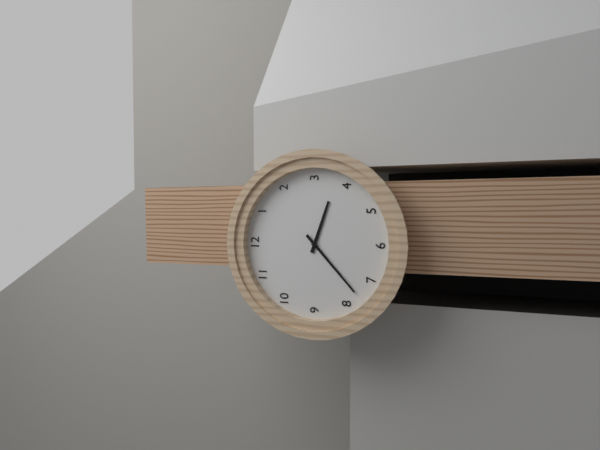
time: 3:38
